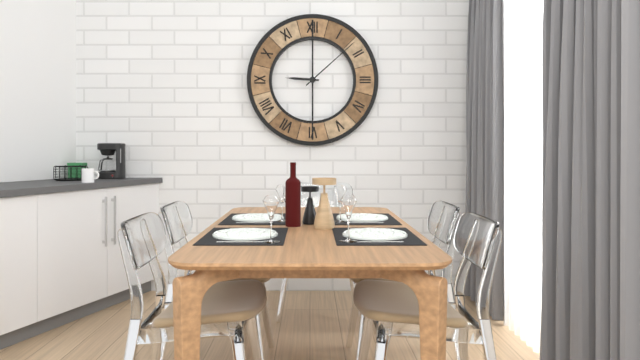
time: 9:08
